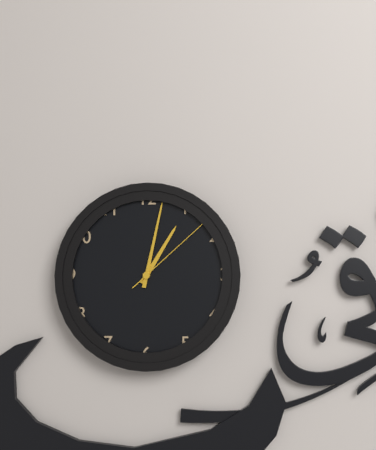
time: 1:02:08
